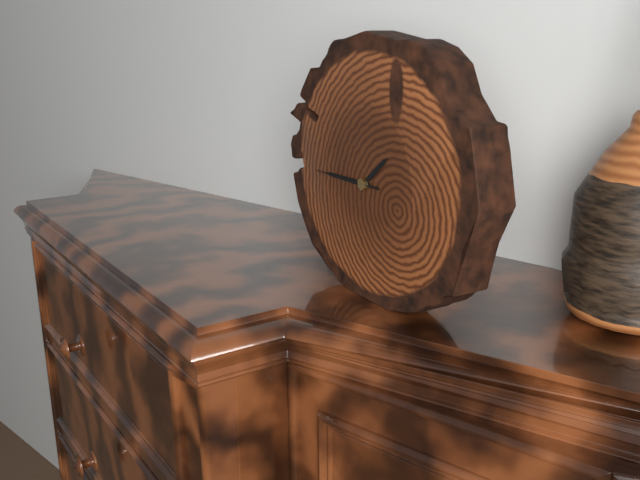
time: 1:45:45
